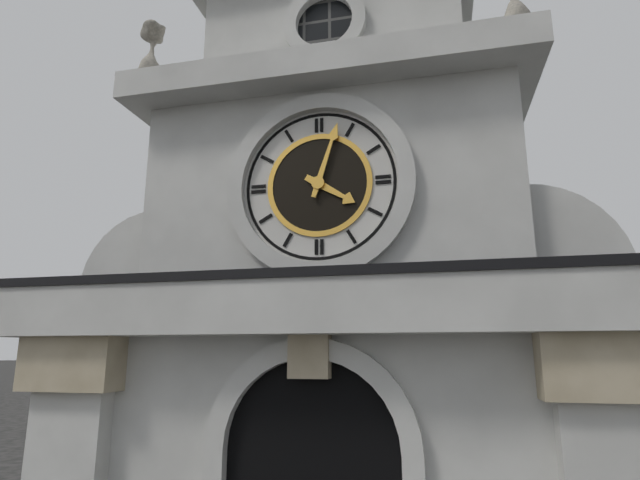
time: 4:03
